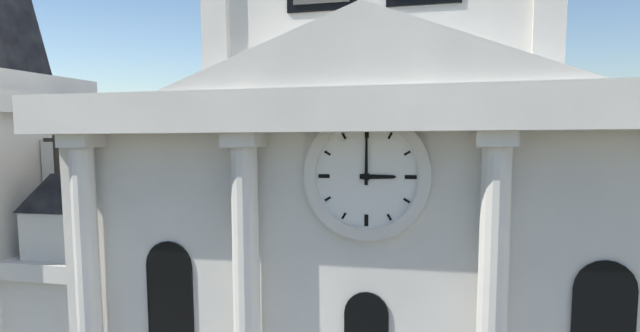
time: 3:00
